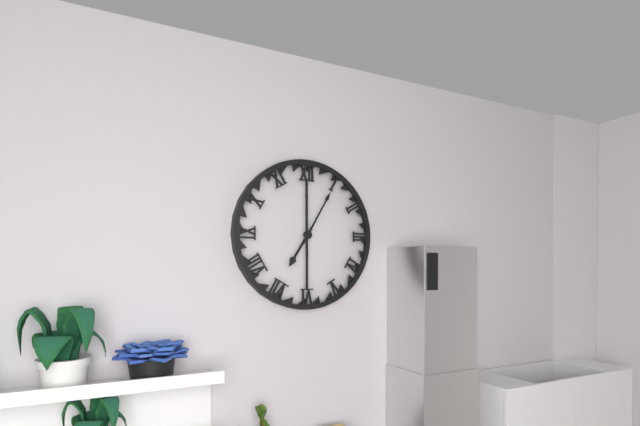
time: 7:05
